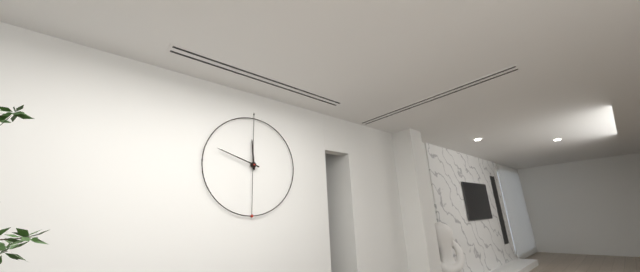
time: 11:48
